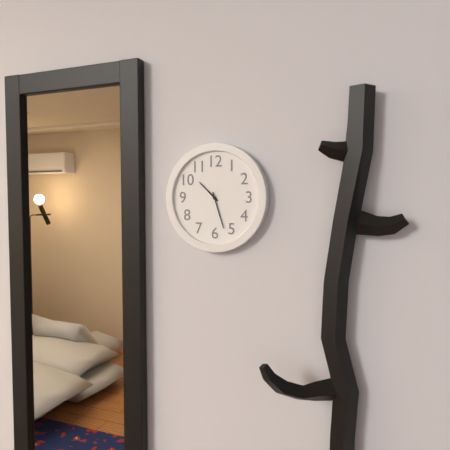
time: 10:27
